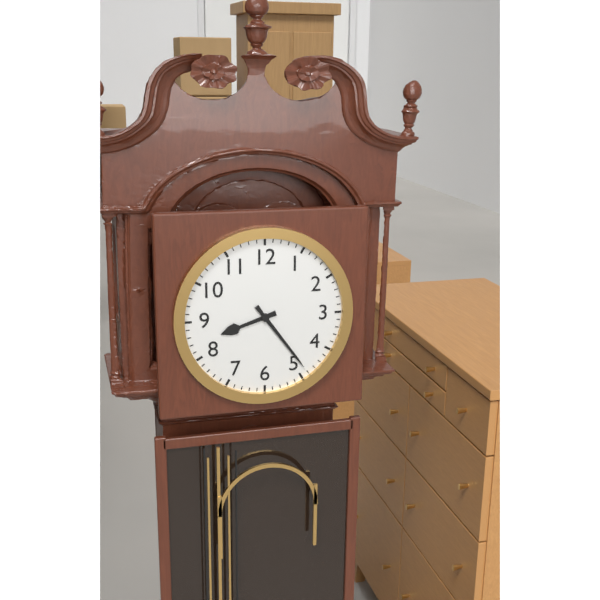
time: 8:24
